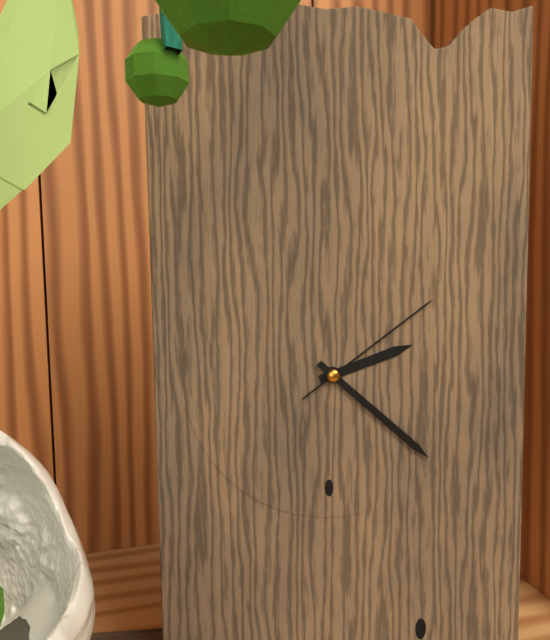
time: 2:22:09
